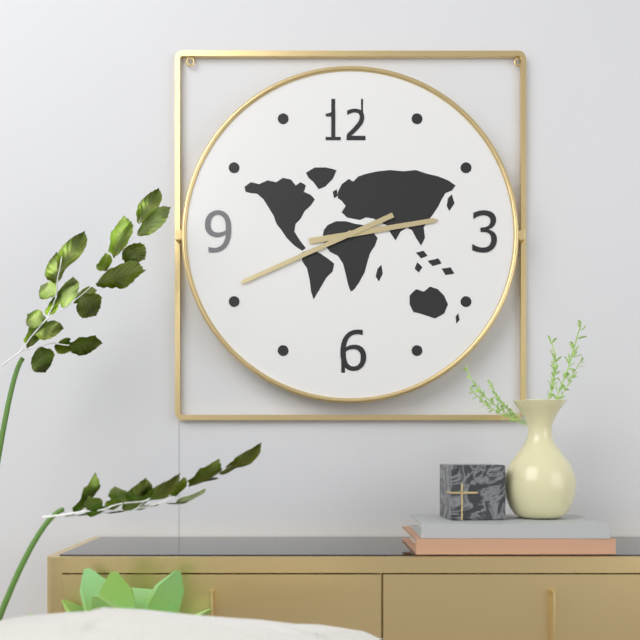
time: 2:41
